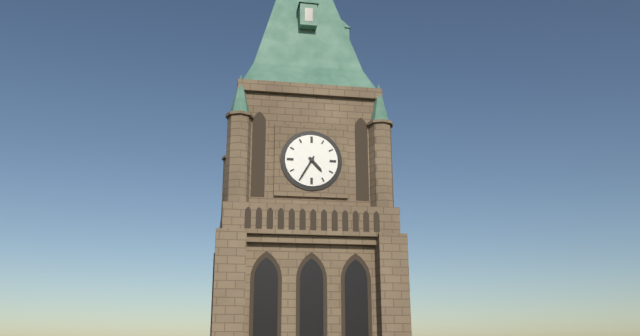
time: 4:35
